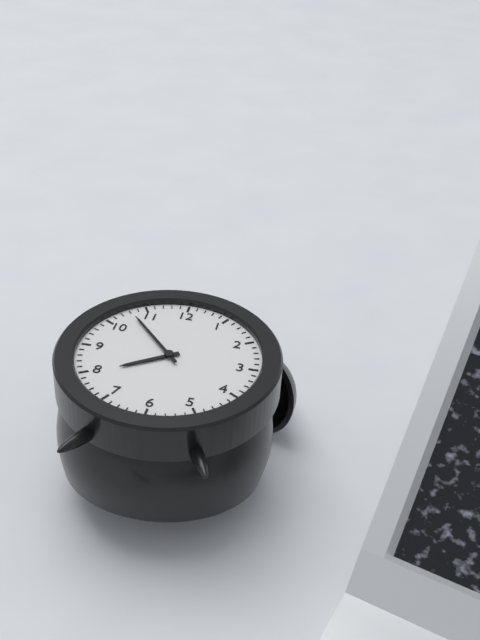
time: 7:53
